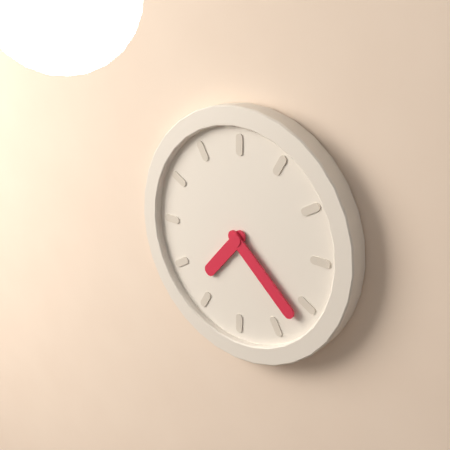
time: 7:22
